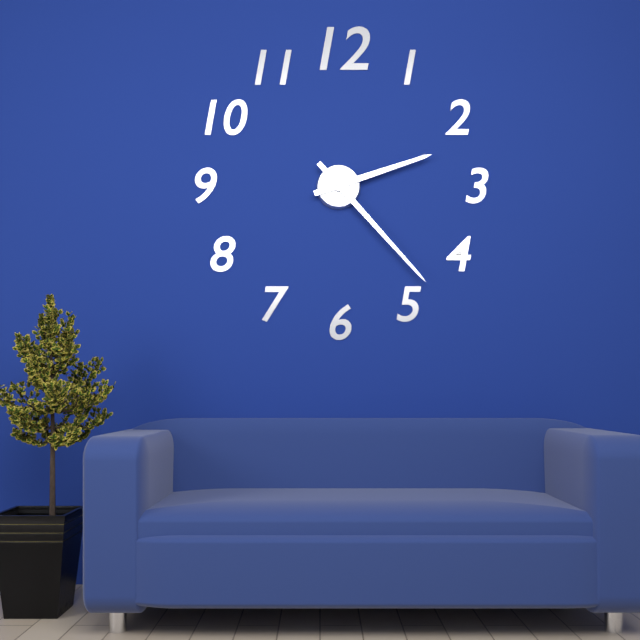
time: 2:23
